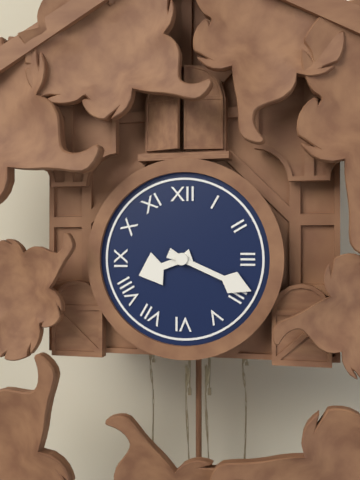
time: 8:19
